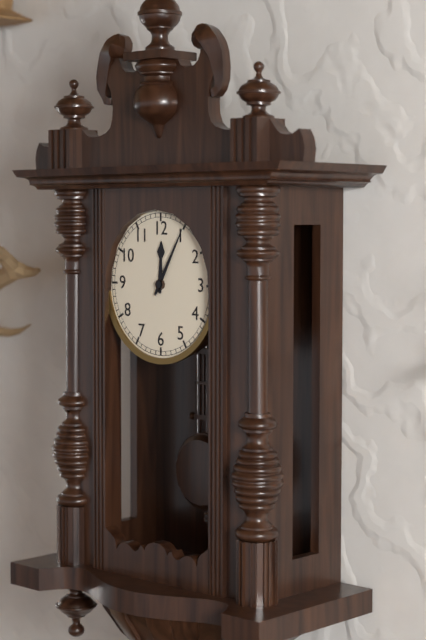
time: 12:05
